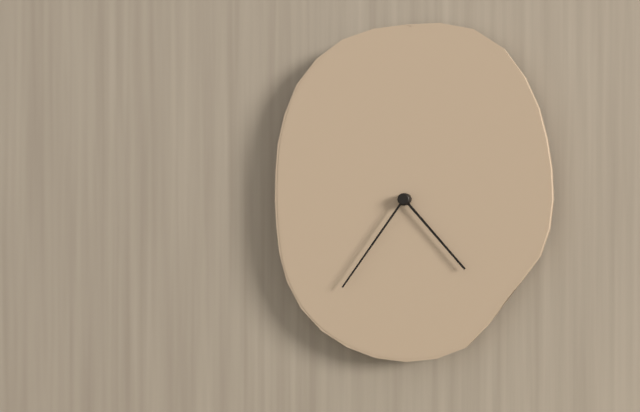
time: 4:36
